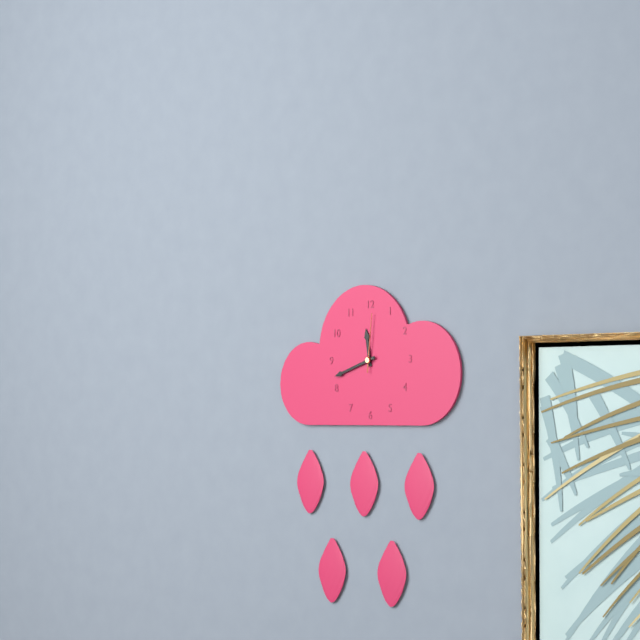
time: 11:42:01
